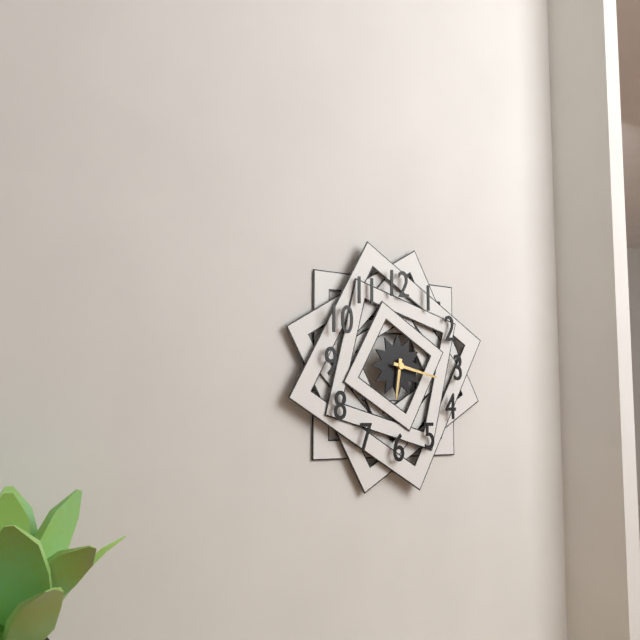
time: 6:17
